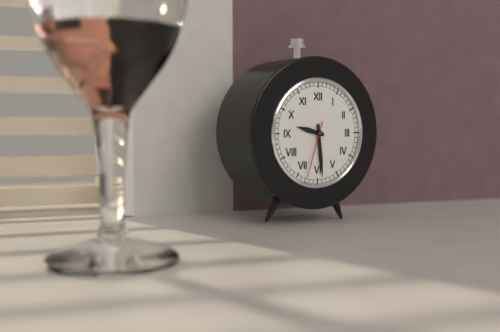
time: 9:29:33
